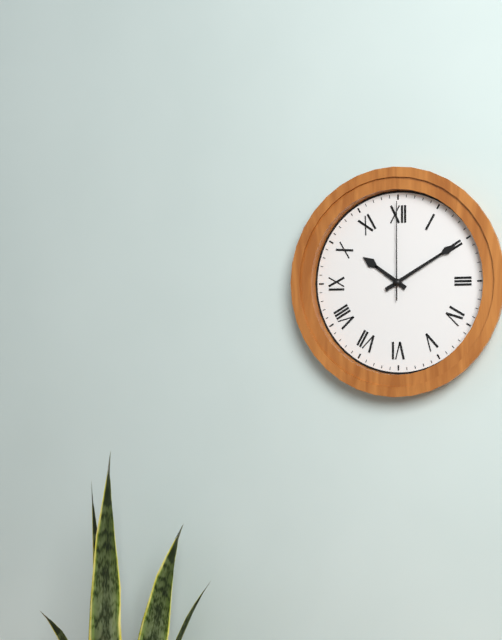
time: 10:10:00
